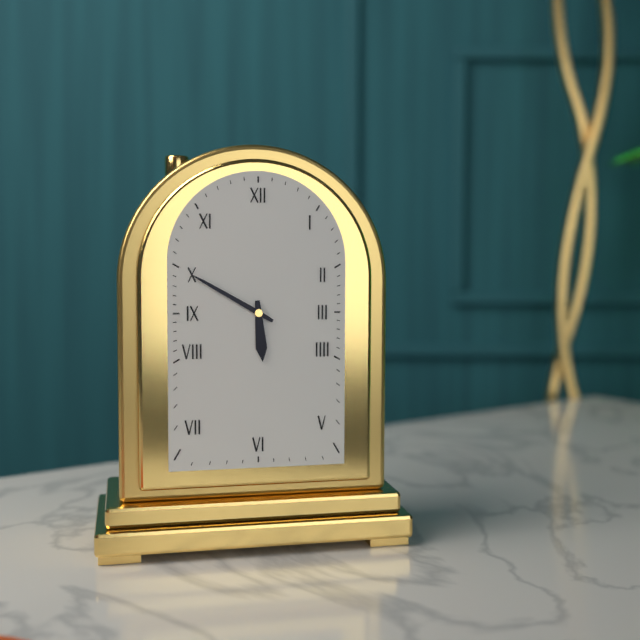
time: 5:50
